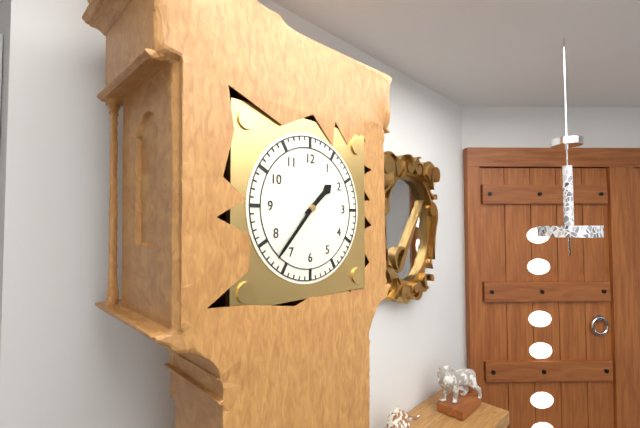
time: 1:37
